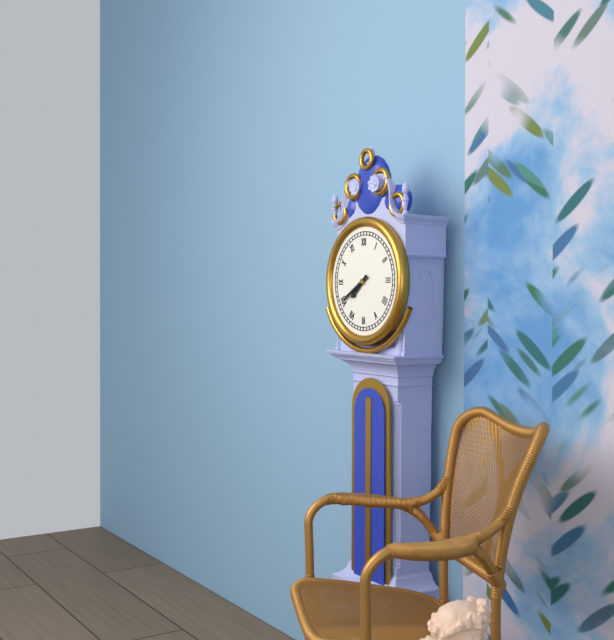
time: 7:40
